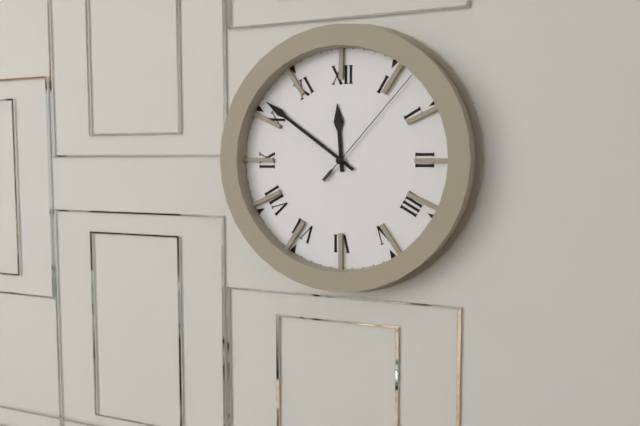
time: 11:51:07
